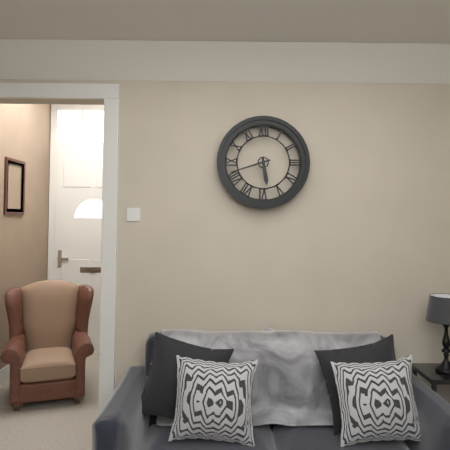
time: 5:42
